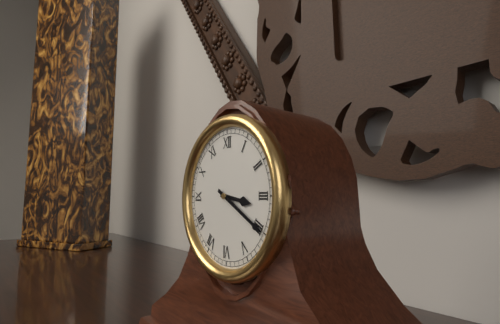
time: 3:20
